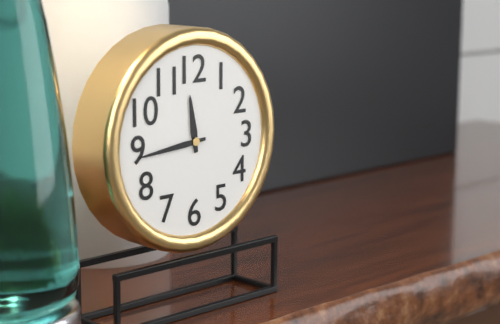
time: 11:44
